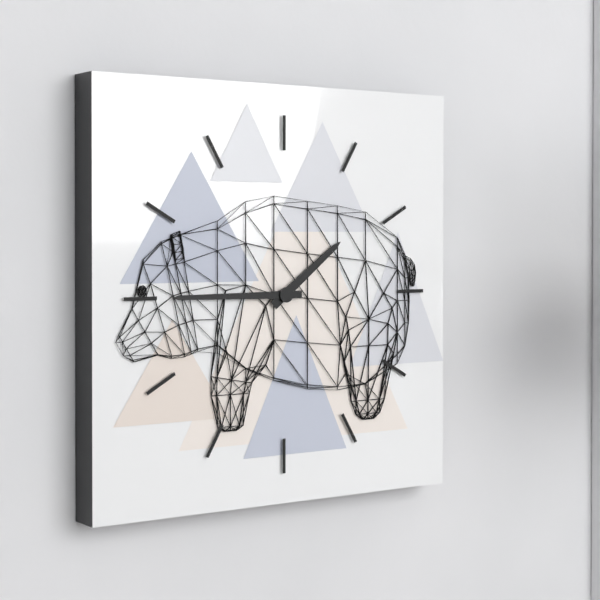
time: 1:45
